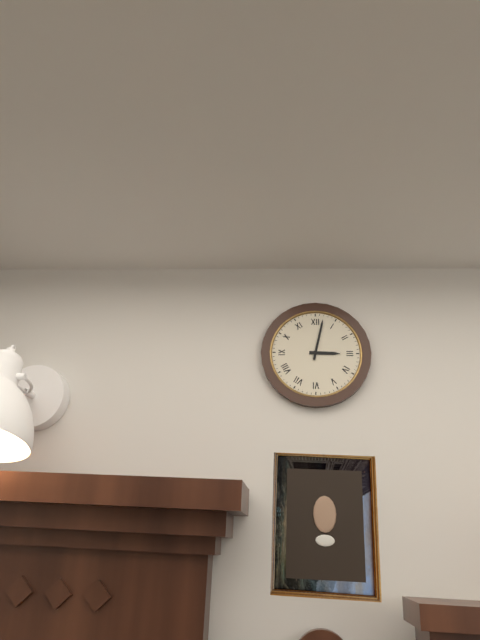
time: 3:02
